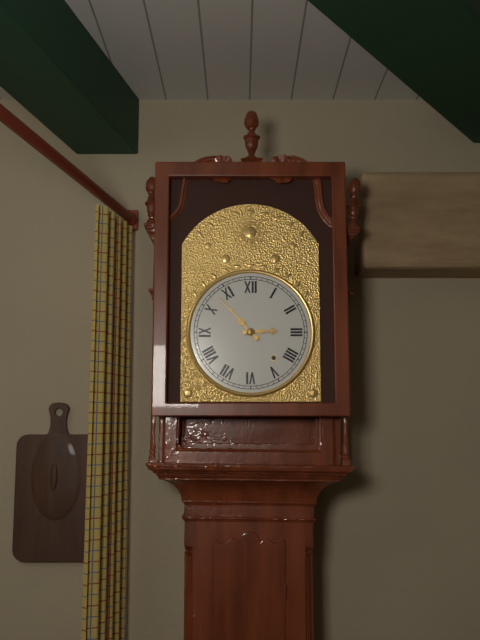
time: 2:53
